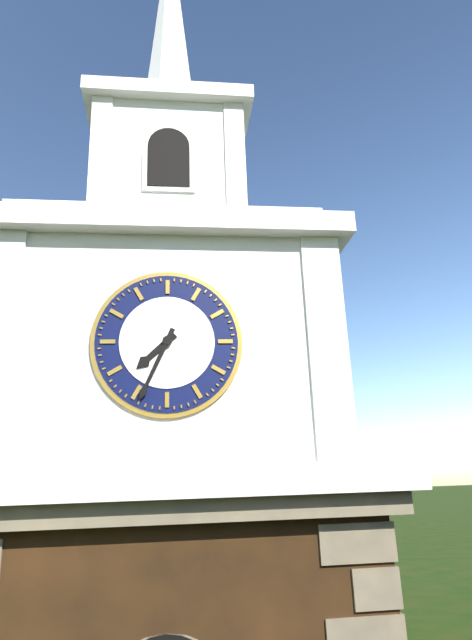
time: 7:34
